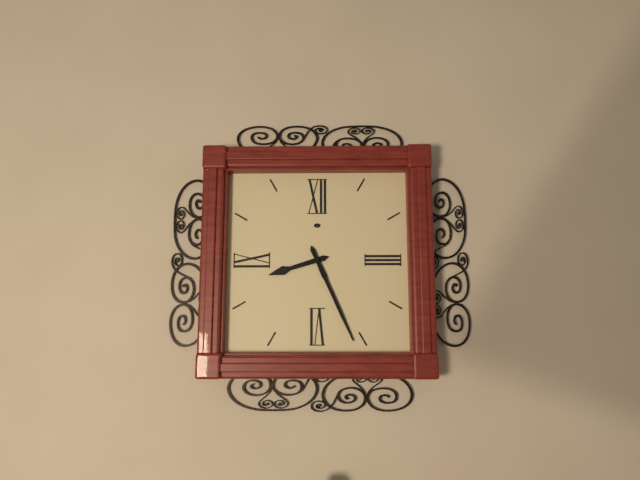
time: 8:26
